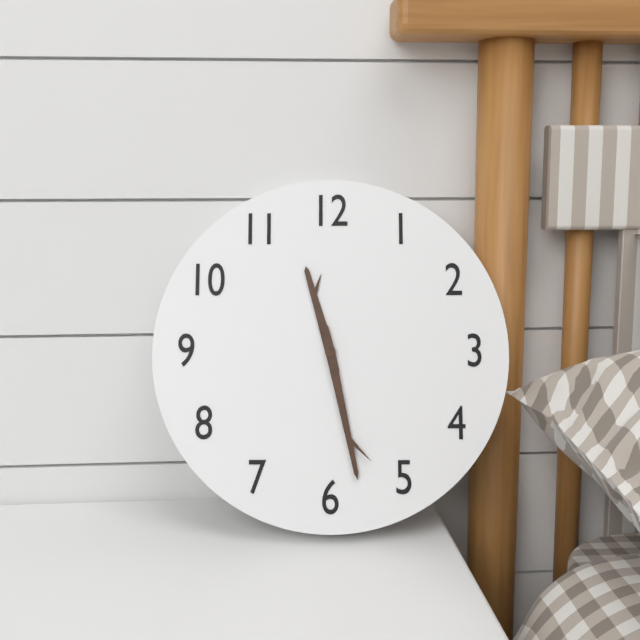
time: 11:28
